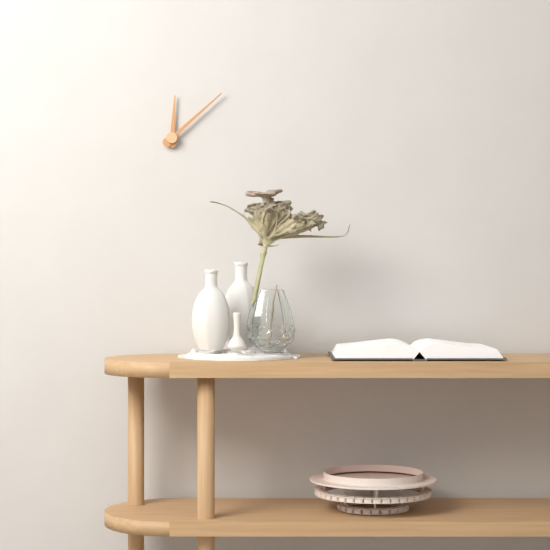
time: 12:08
